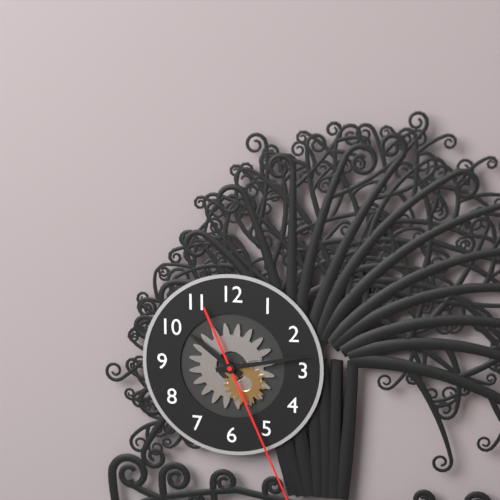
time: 10:13
